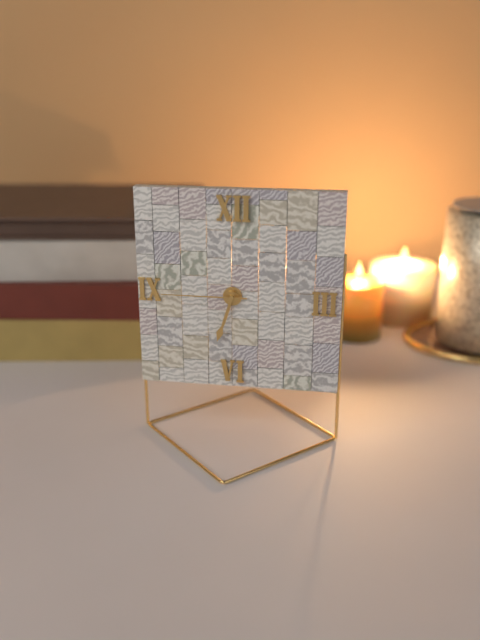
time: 6:33:45
